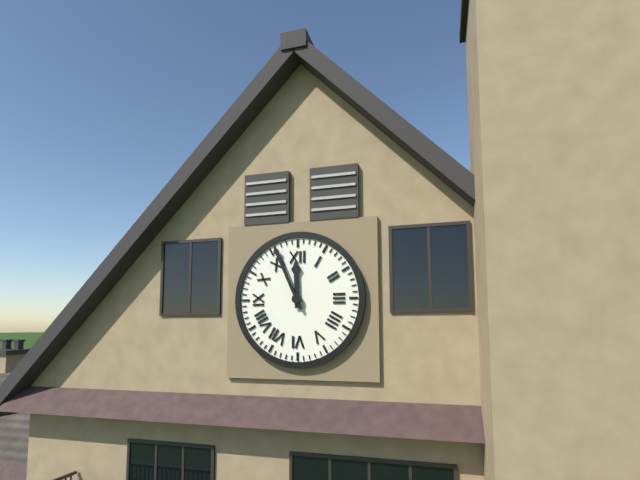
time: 11:56
